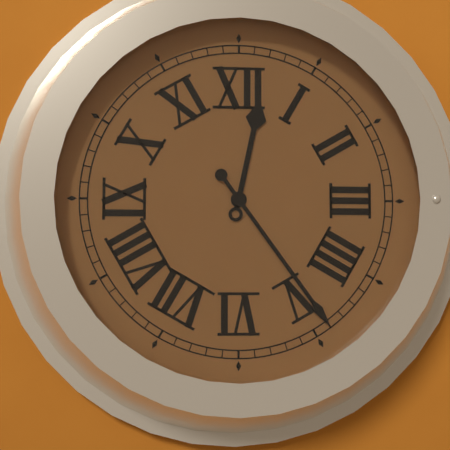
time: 12:24
